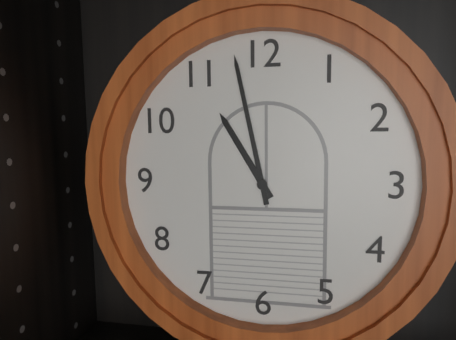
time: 10:58
